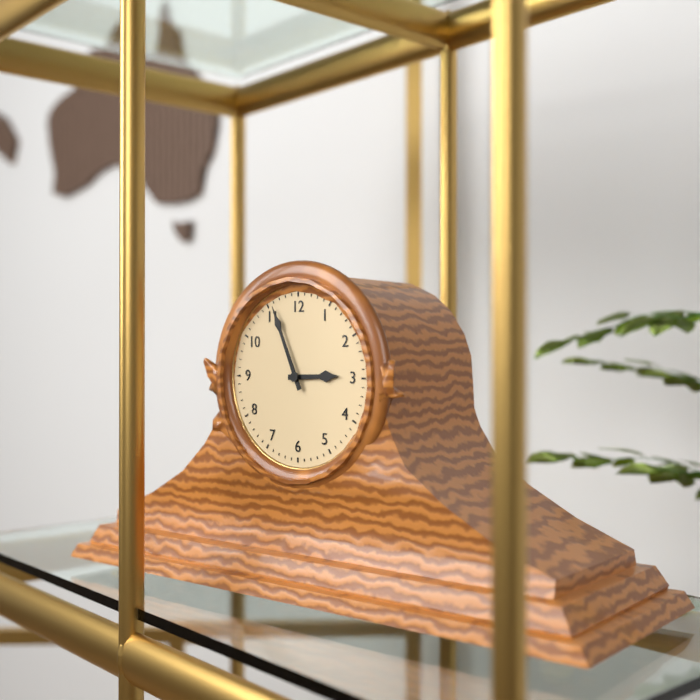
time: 2:56
